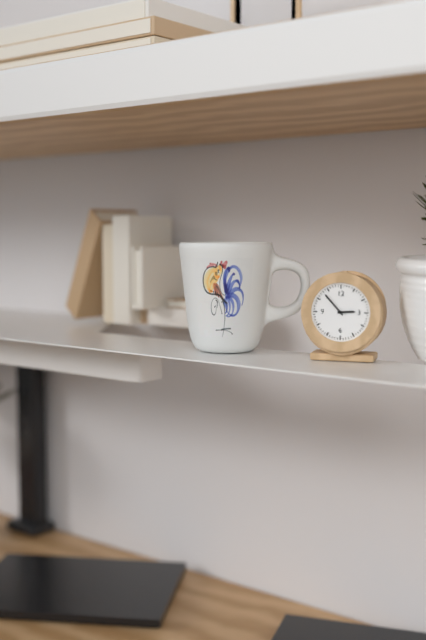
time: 2:53
